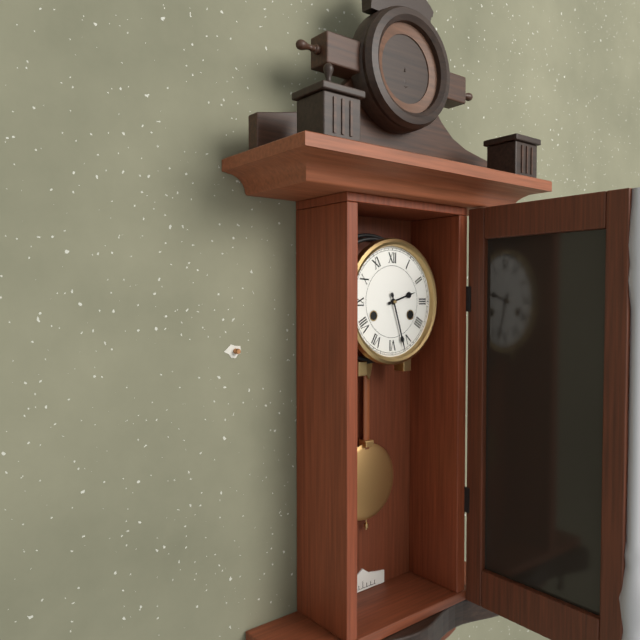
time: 2:27
